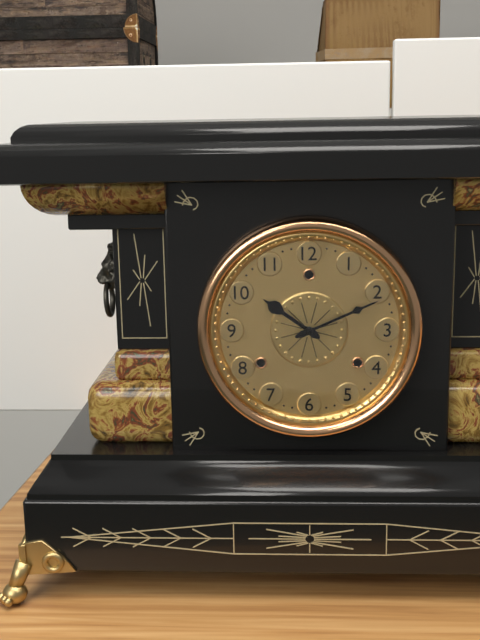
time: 10:11
